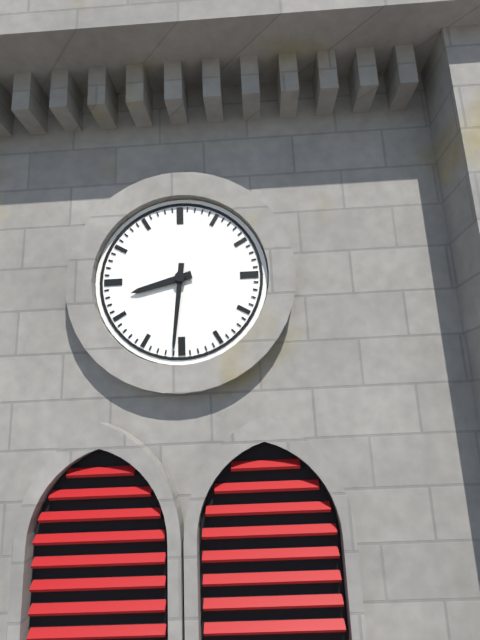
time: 8:31
